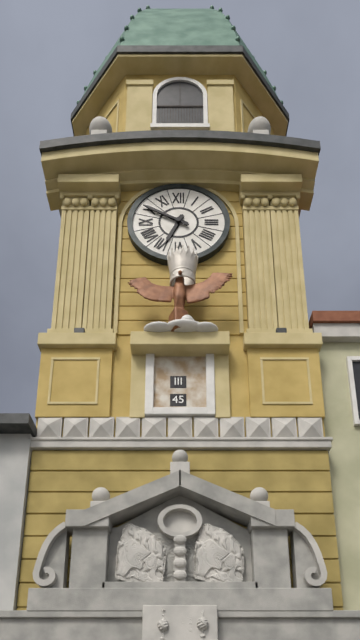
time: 6:50
